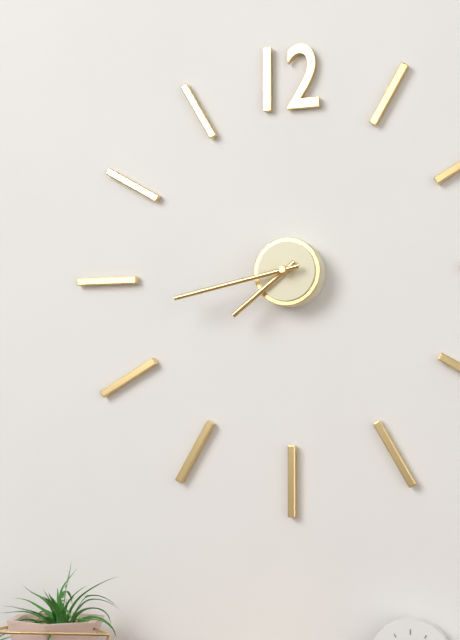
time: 7:43
